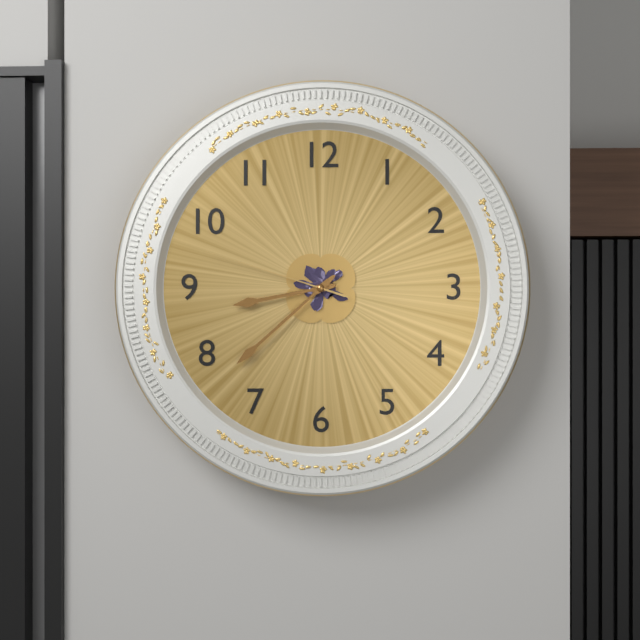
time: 8:38:48
